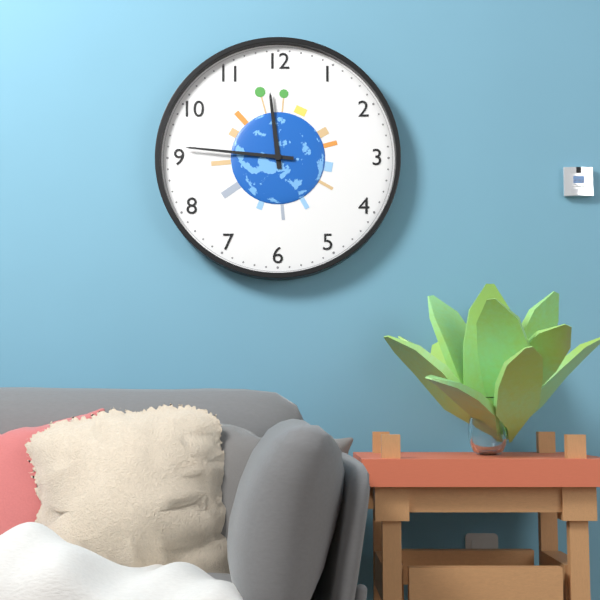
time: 11:46
